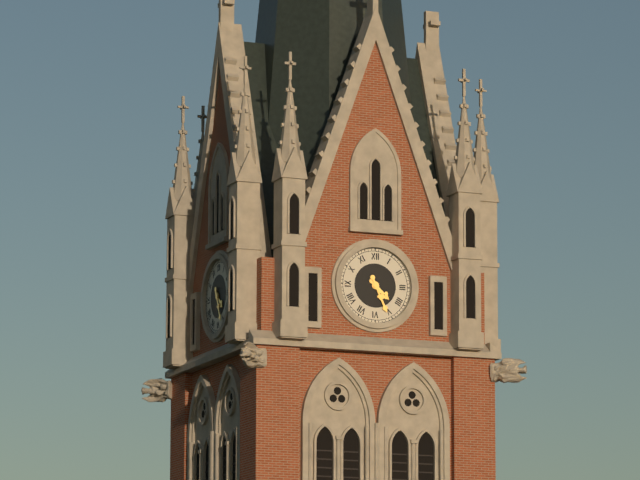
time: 4:26
